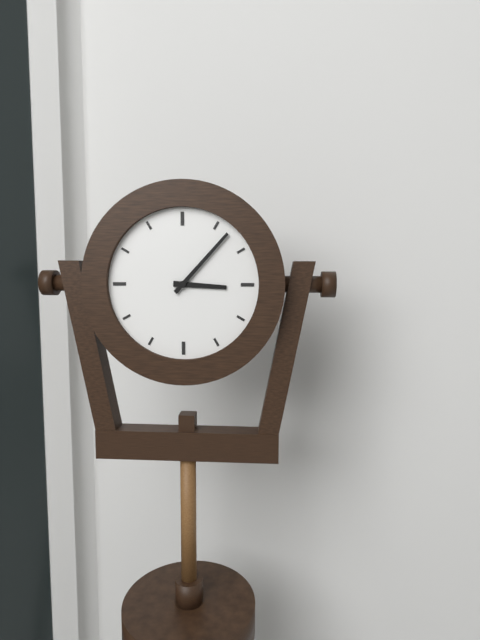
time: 3:07
